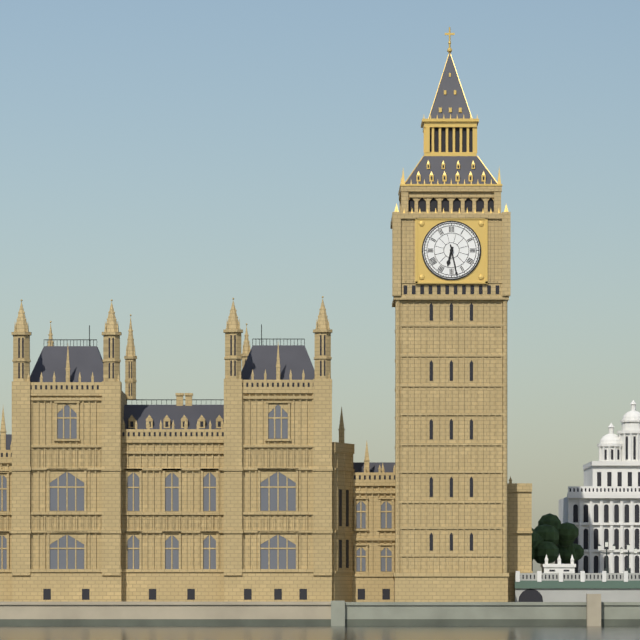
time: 6:28
